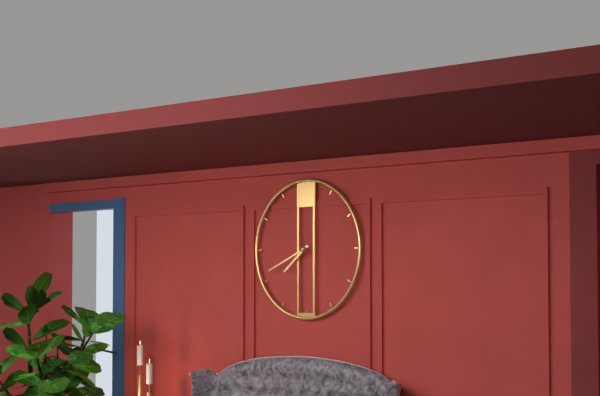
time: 7:41
